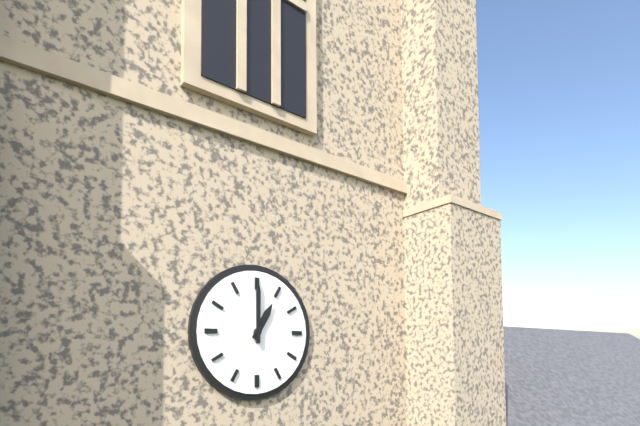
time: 1:00
